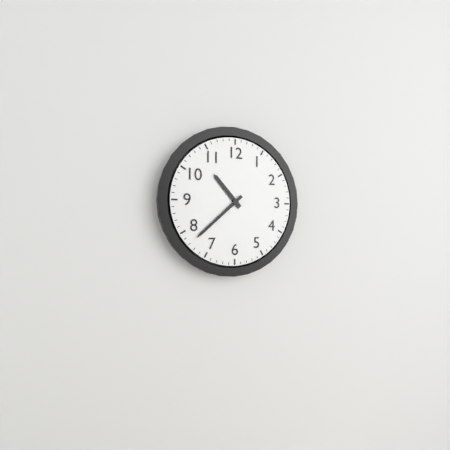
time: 10:38
